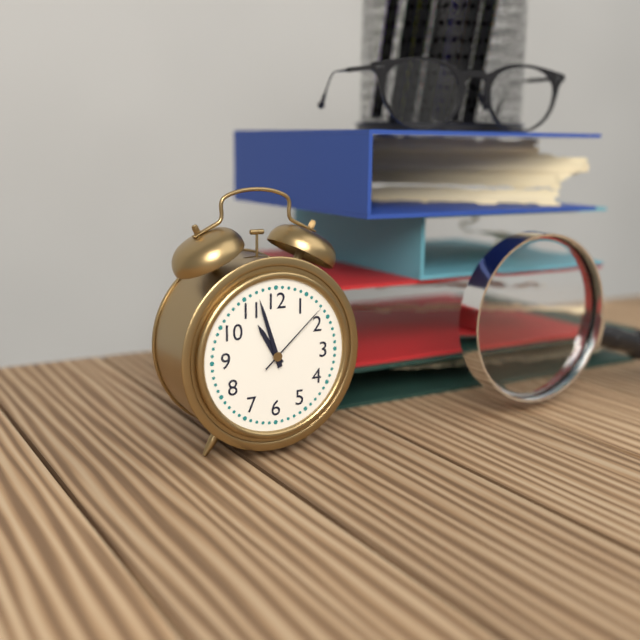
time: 10:57:08
